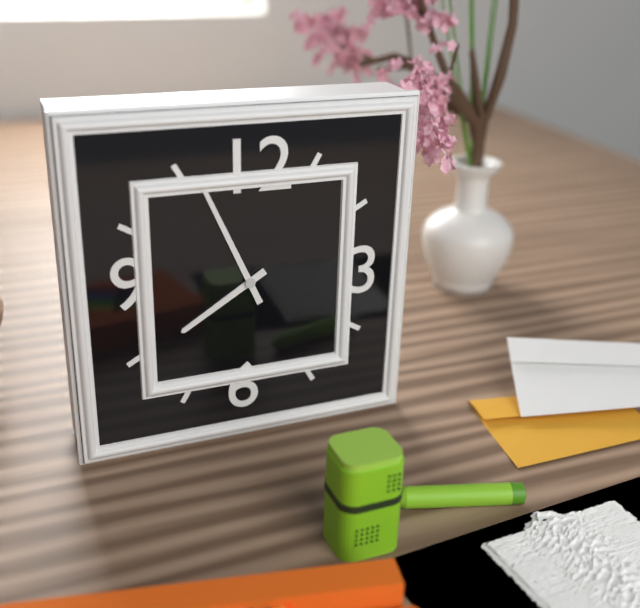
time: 7:56
